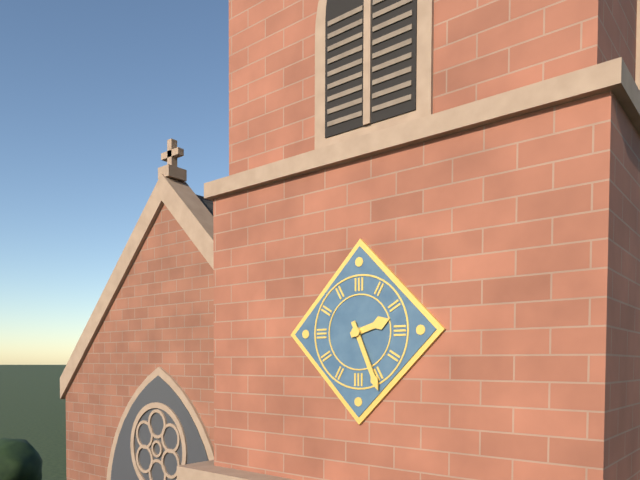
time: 2:26
